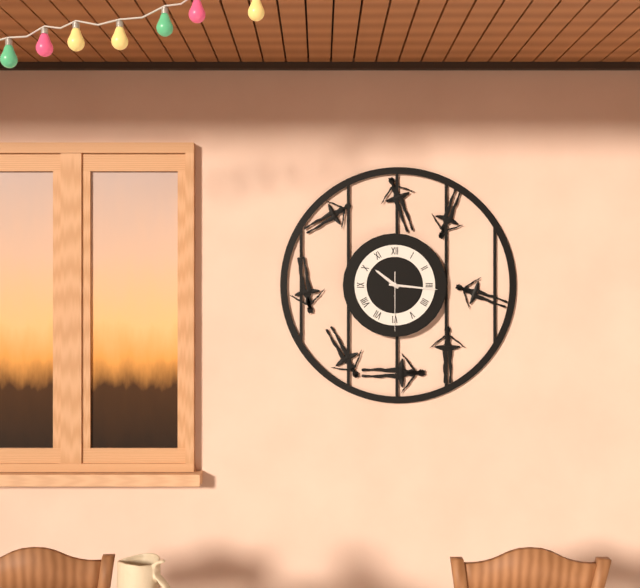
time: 10:16:30
